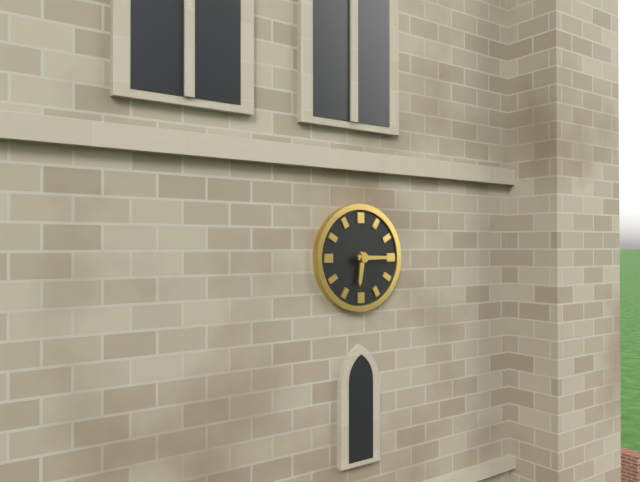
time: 6:15
